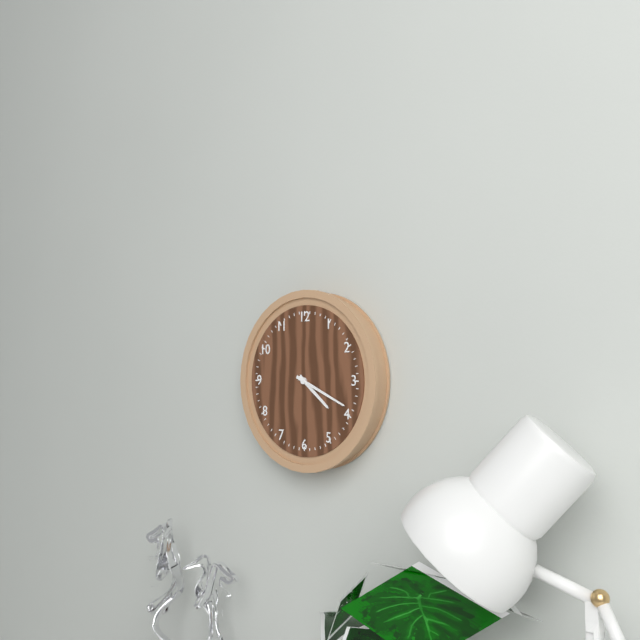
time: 4:19
